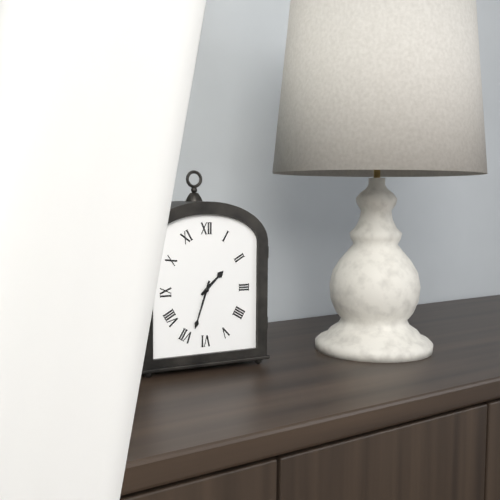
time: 1:33
